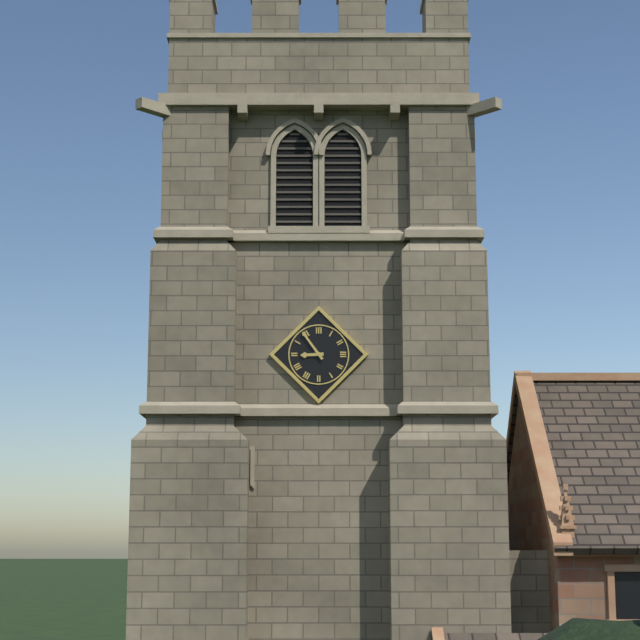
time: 8:54
